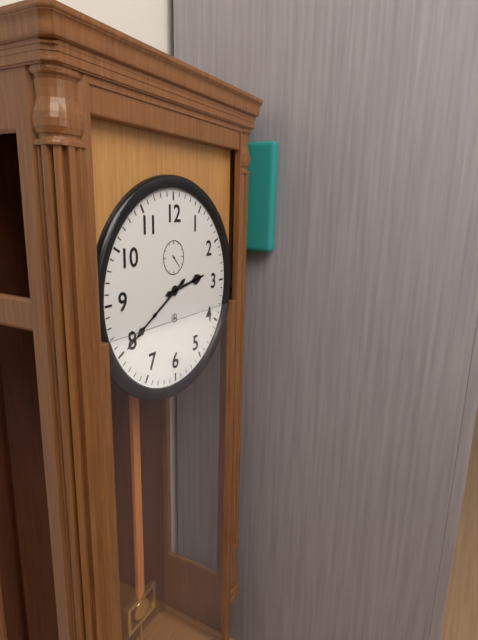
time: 2:40
